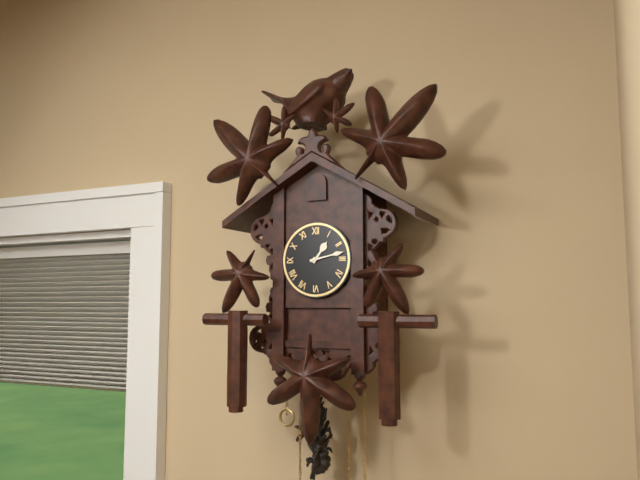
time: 1:13
